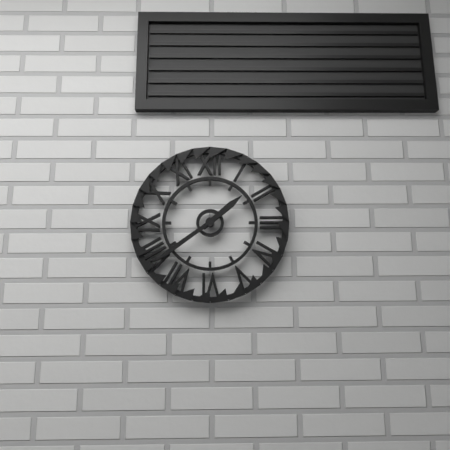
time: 1:39
